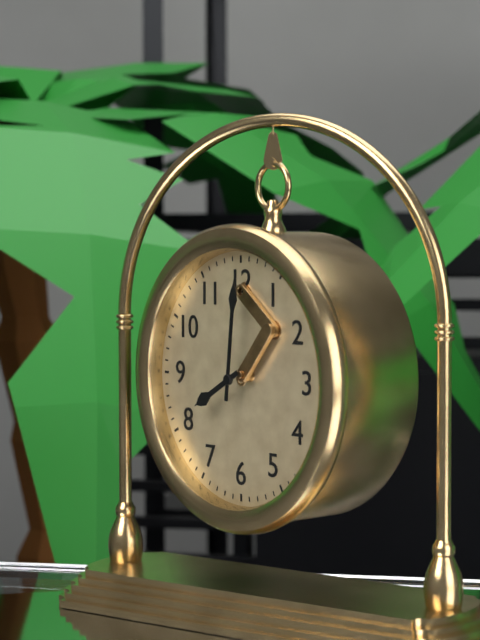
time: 8:01
